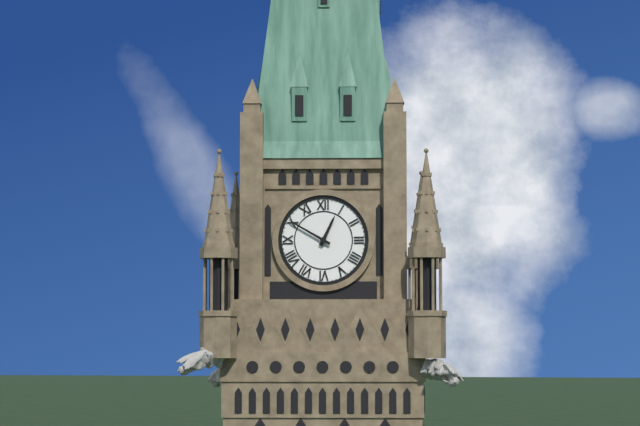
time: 12:50
